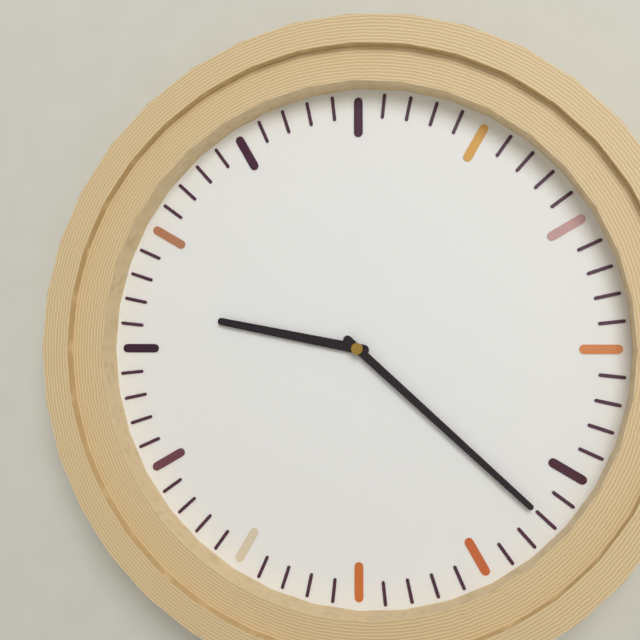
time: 9:22
